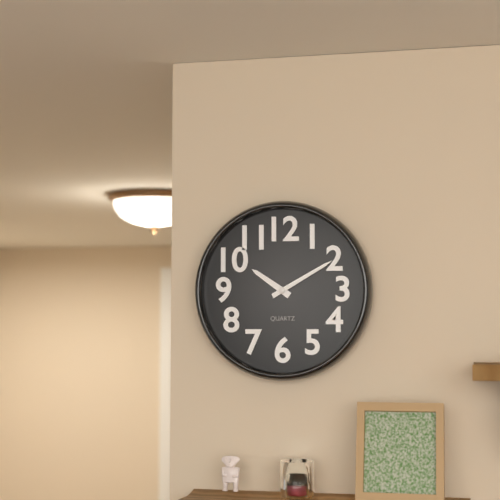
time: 10:10
